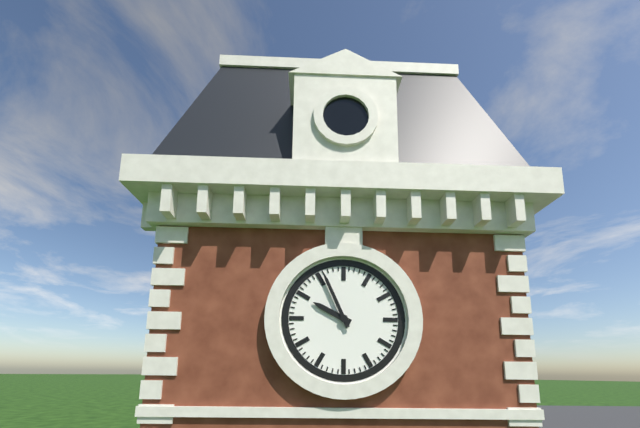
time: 9:56
